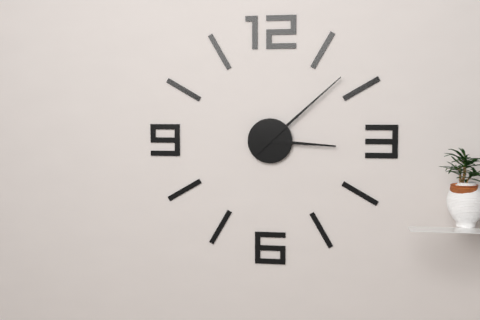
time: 3:08
